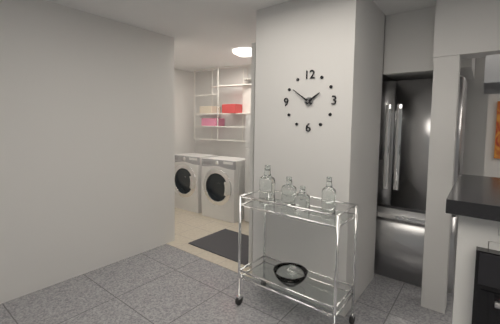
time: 1:51
